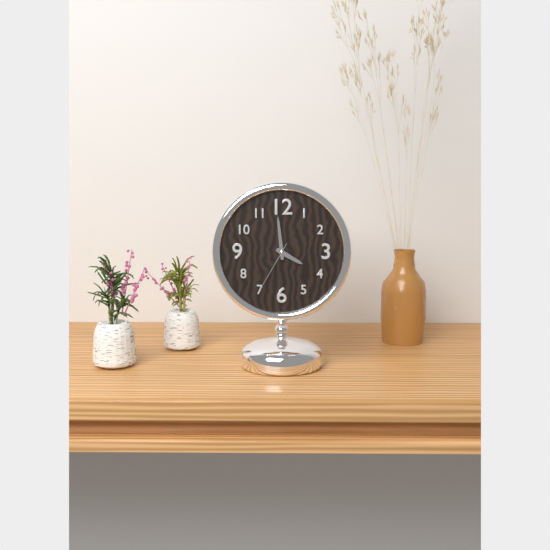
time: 3:59:35
